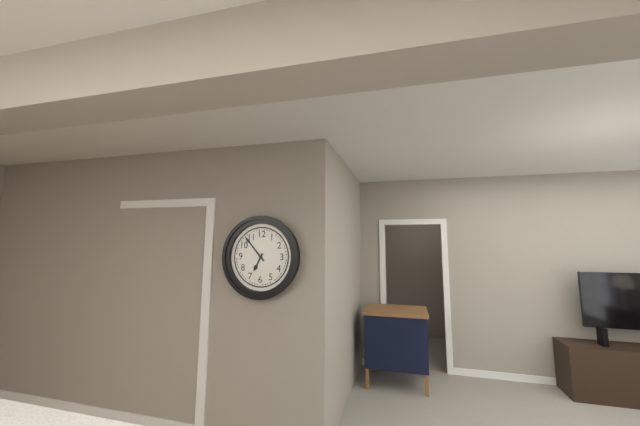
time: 6:53
